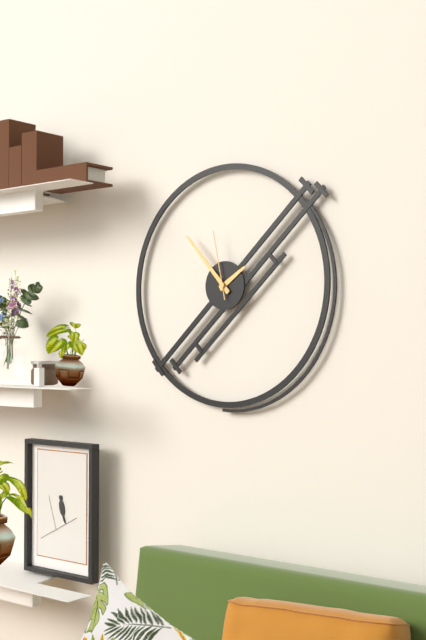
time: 1:53:58
